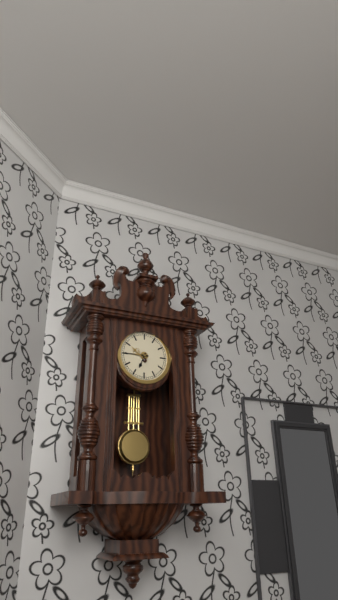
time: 6:45
